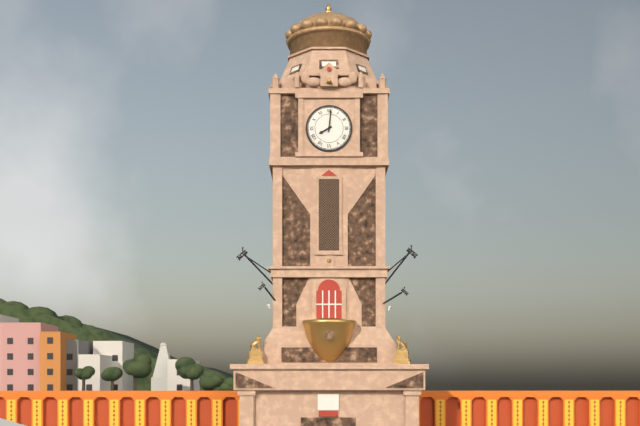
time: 8:01
